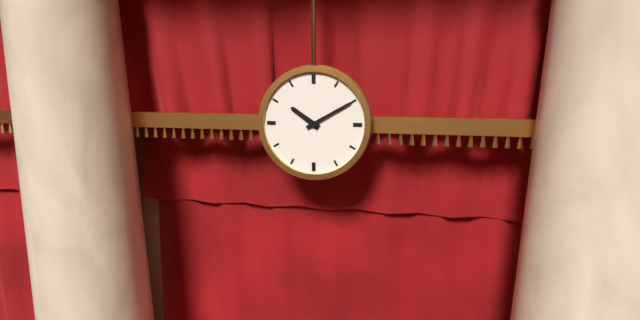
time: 10:10
